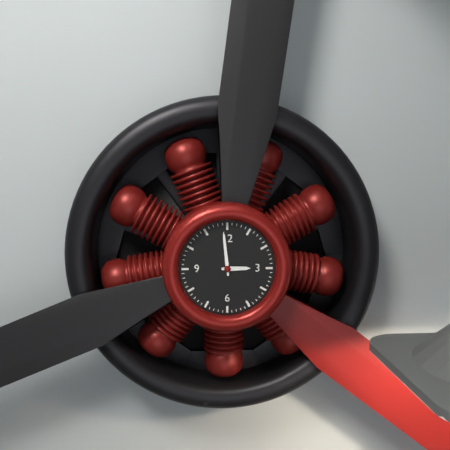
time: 2:59
